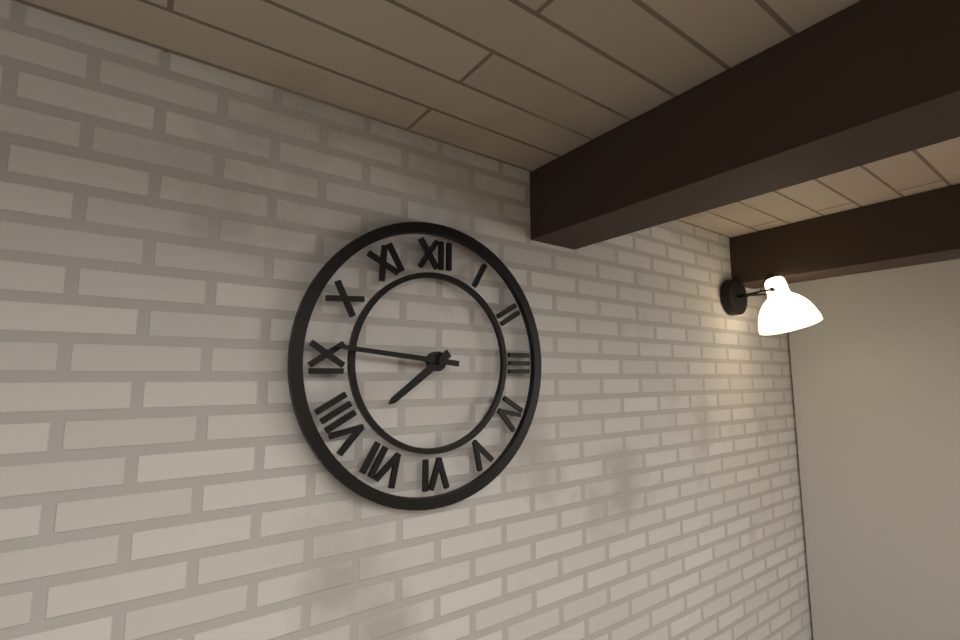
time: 7:46
